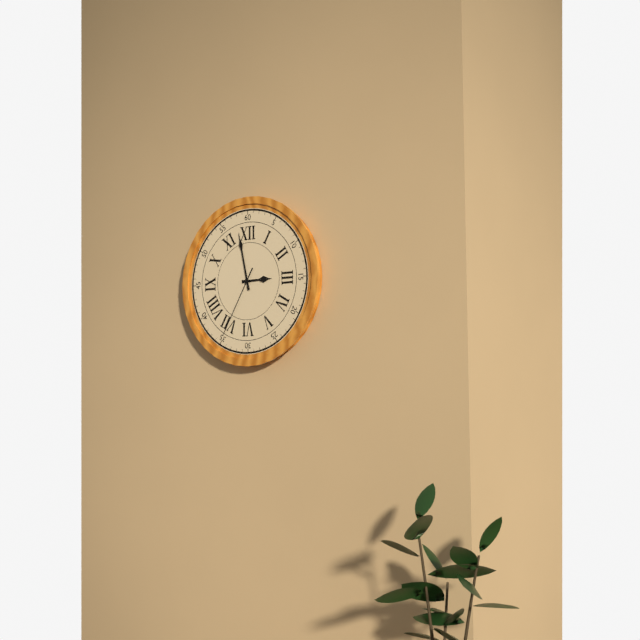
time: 2:58:35
